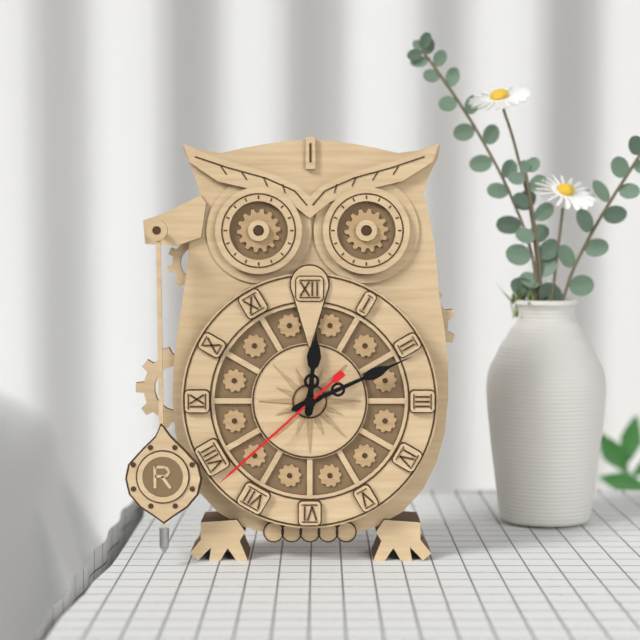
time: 12:11:38
